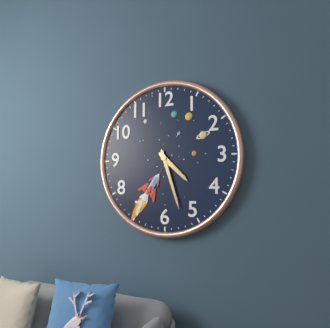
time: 4:27
